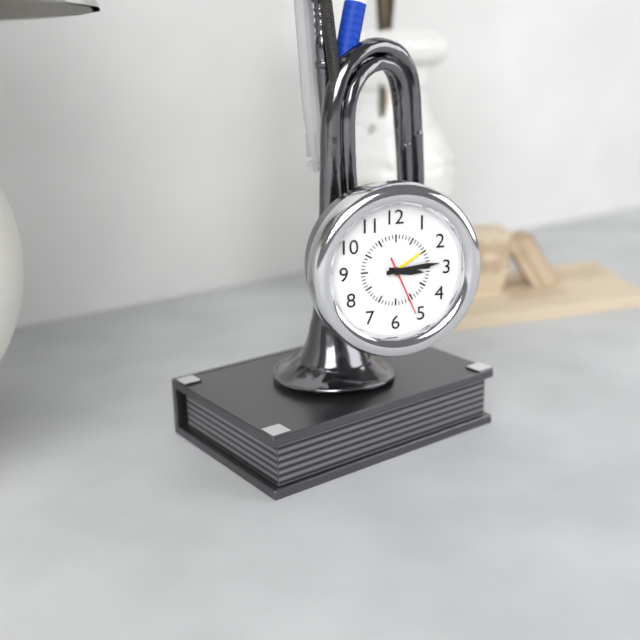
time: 3:14:26
